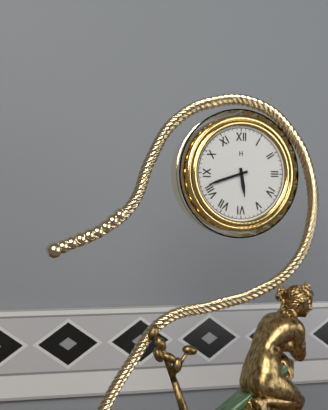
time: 5:42
